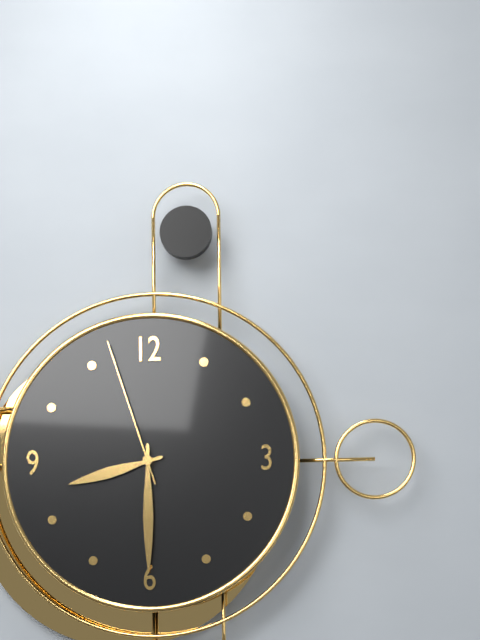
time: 8:30:57
